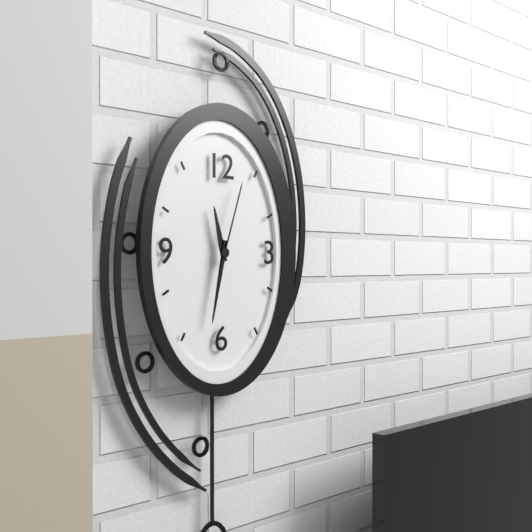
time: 11:32:03
